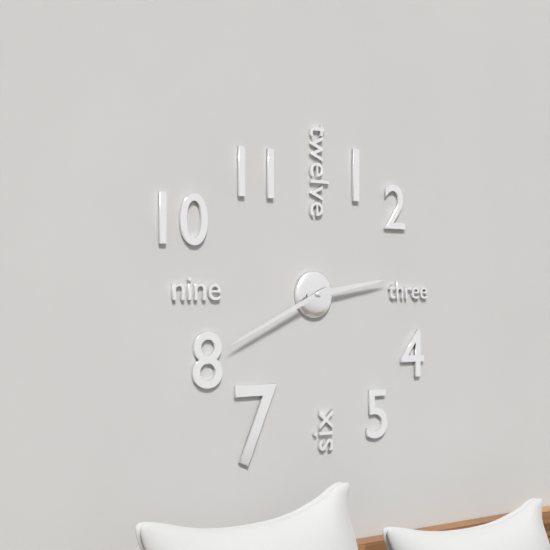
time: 2:41
